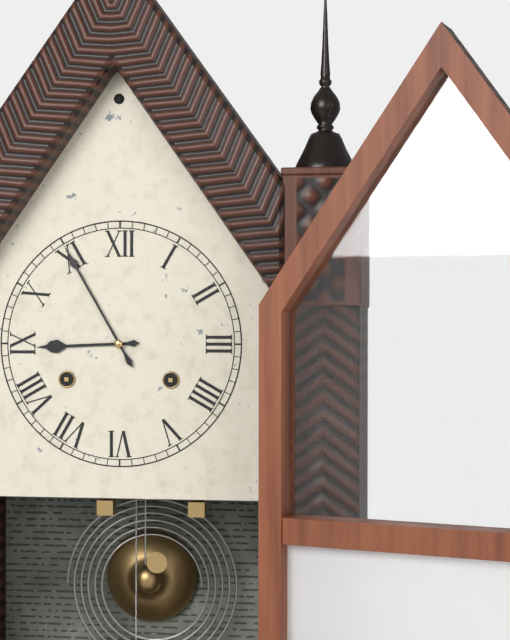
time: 8:55
